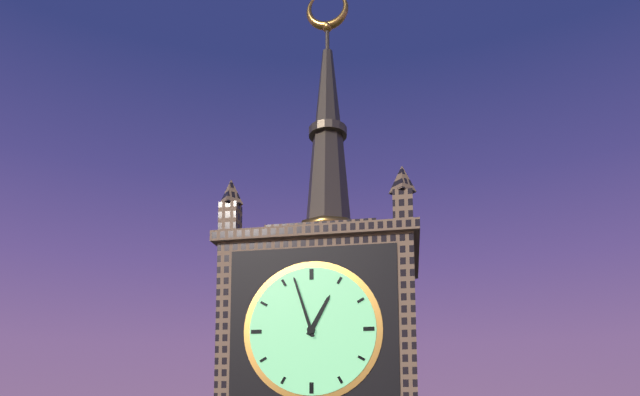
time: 12:57
